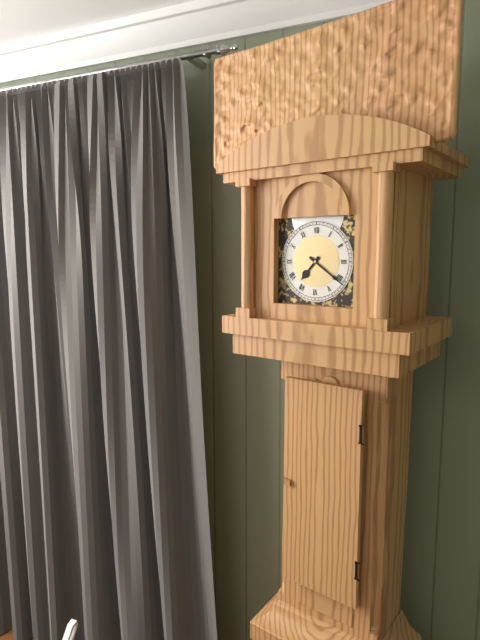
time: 7:21
